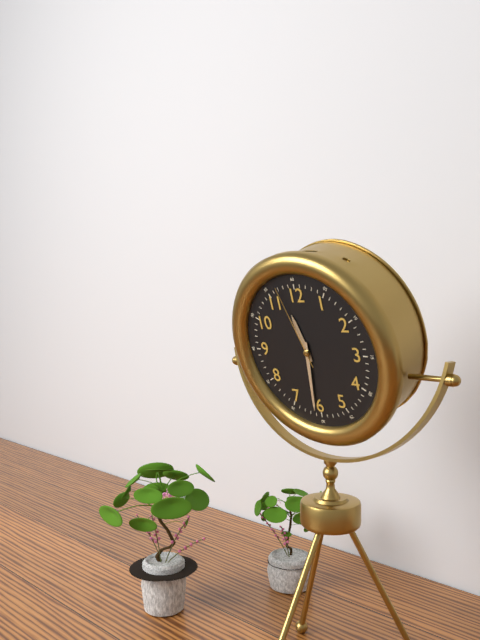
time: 11:31:57
